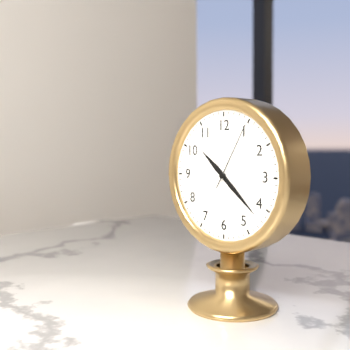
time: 10:22:05
